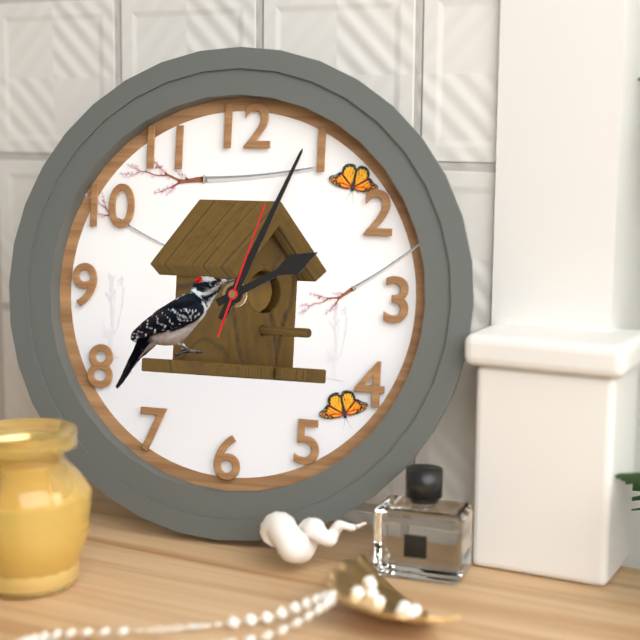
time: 2:04:03
